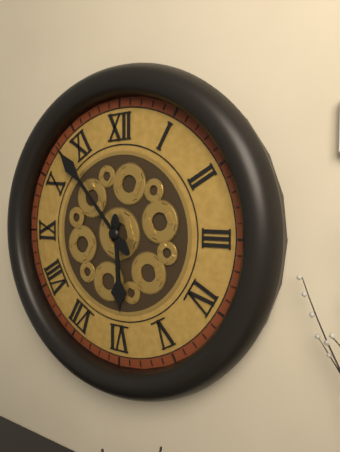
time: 5:53
